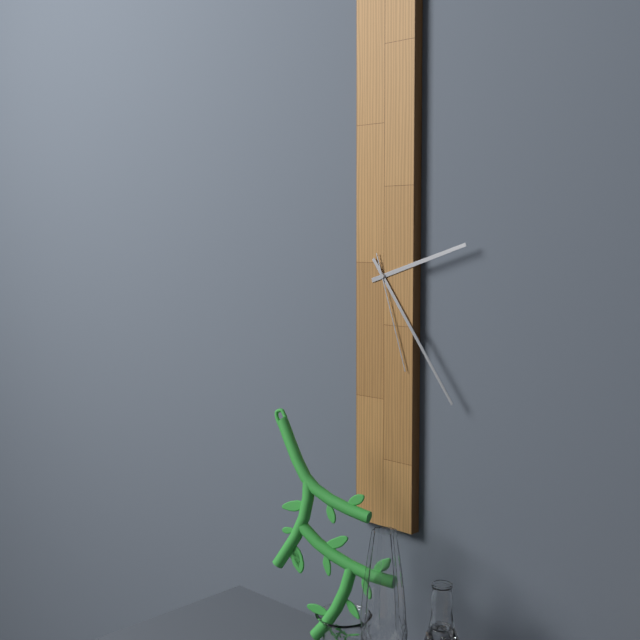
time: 2:24:27
